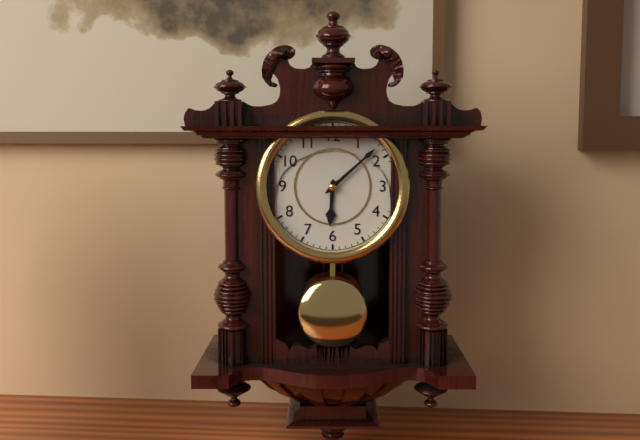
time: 6:08
